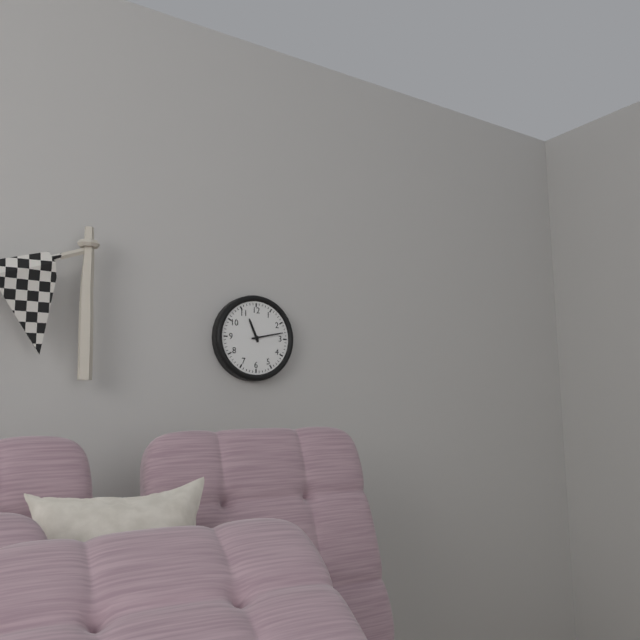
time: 11:13
